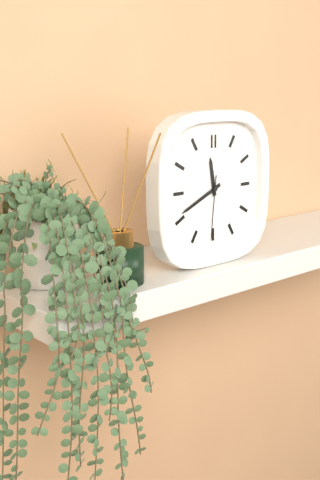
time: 11:41:31
